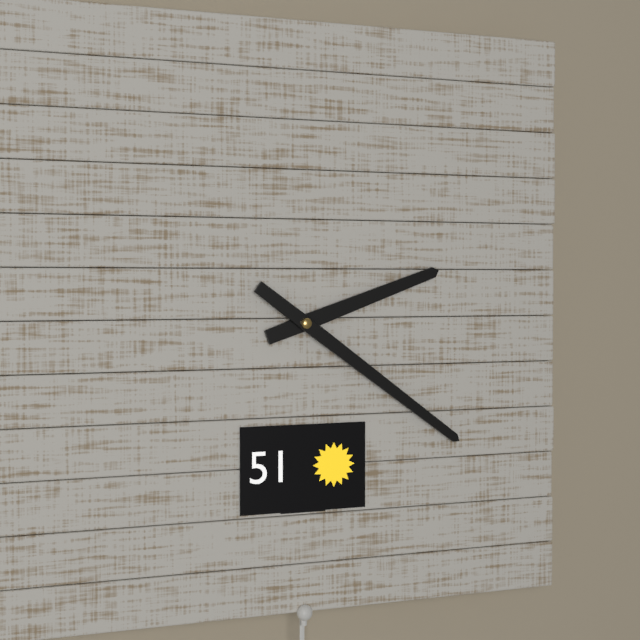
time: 2:21
